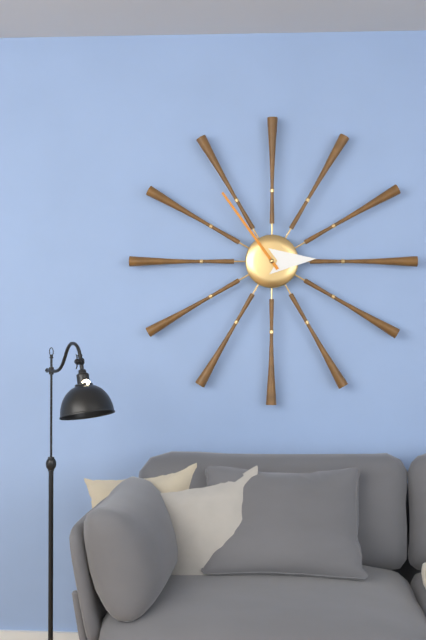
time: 2:54
